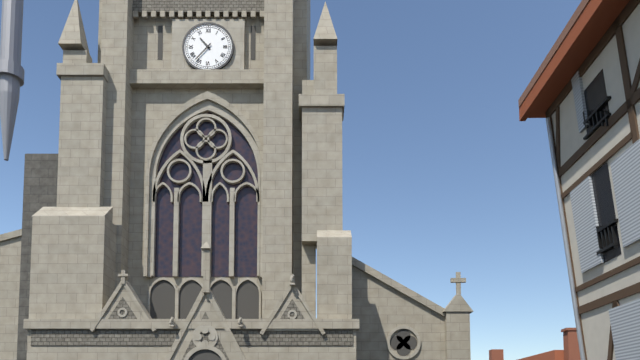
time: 10:37
